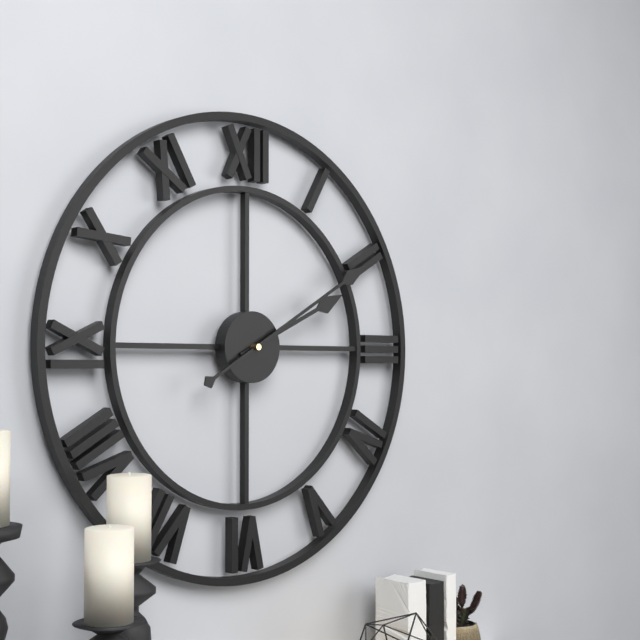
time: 2:10
